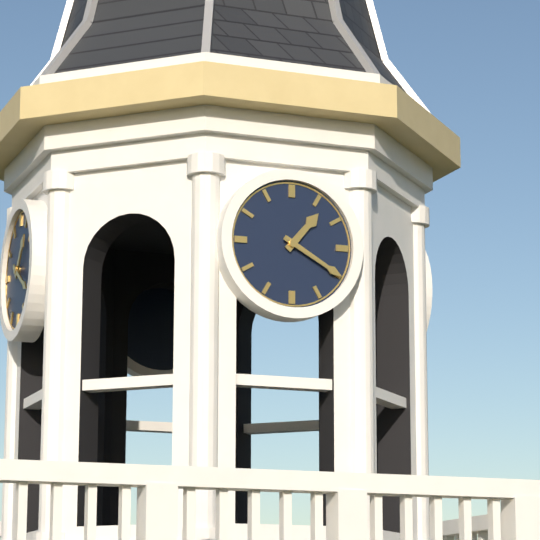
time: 1:20
